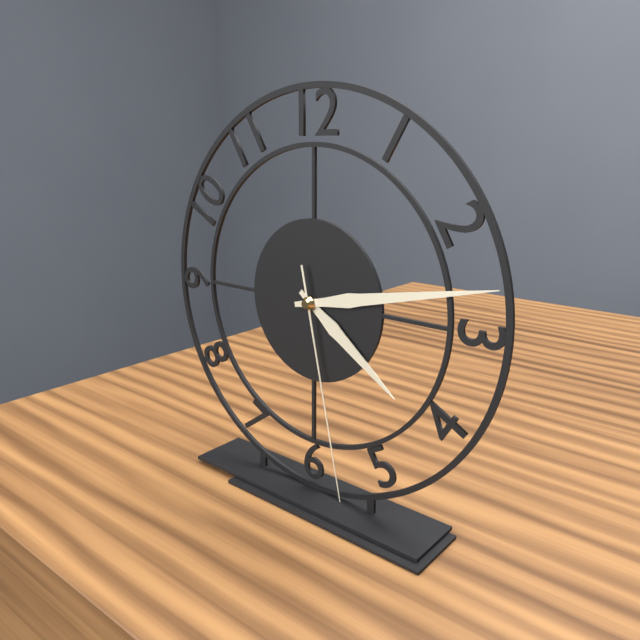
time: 4:13:28
